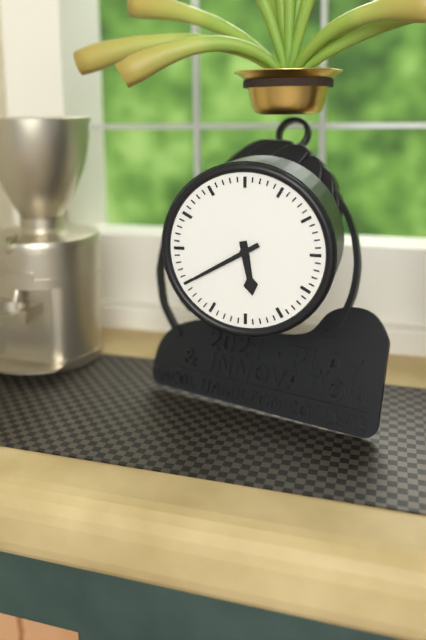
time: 5:40
